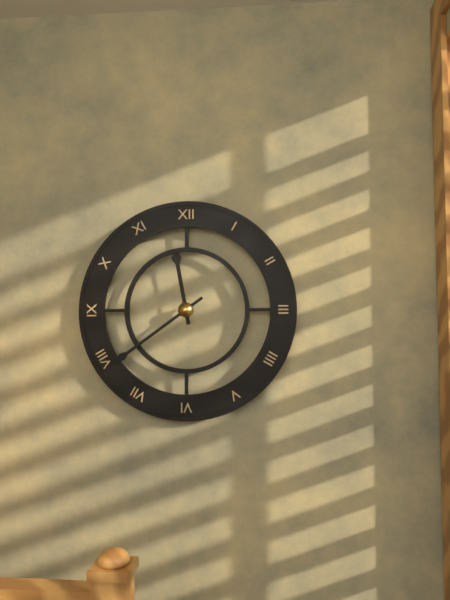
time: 11:39
